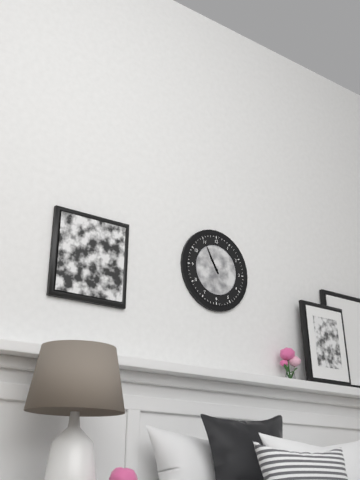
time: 10:55
